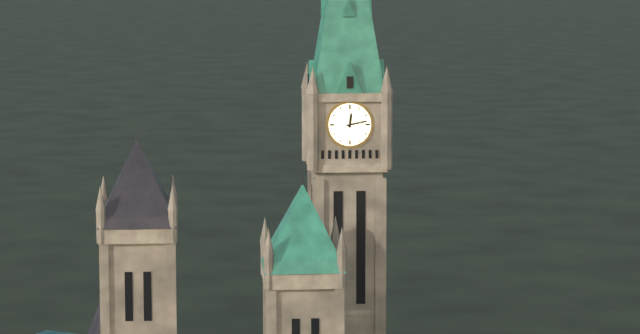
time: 12:13
